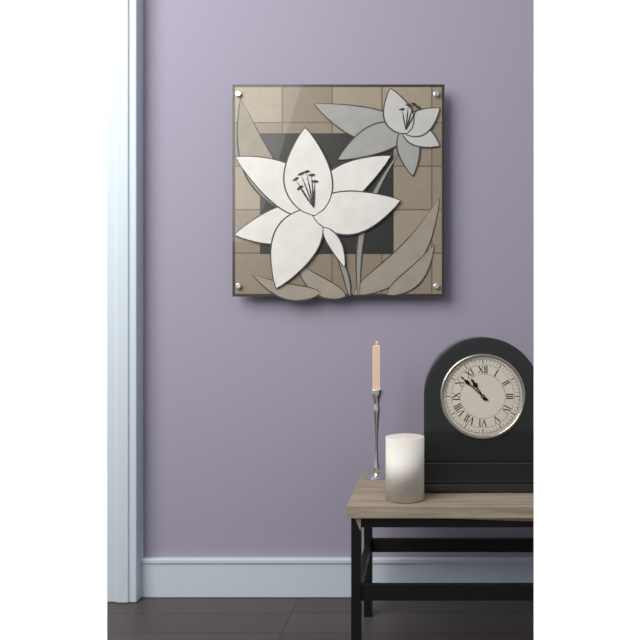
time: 10:52
